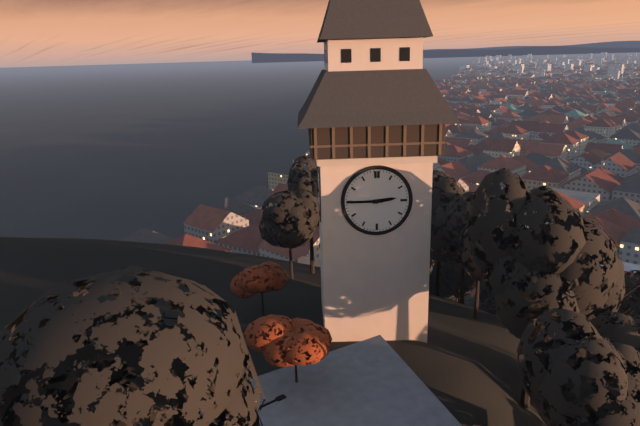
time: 2:45
